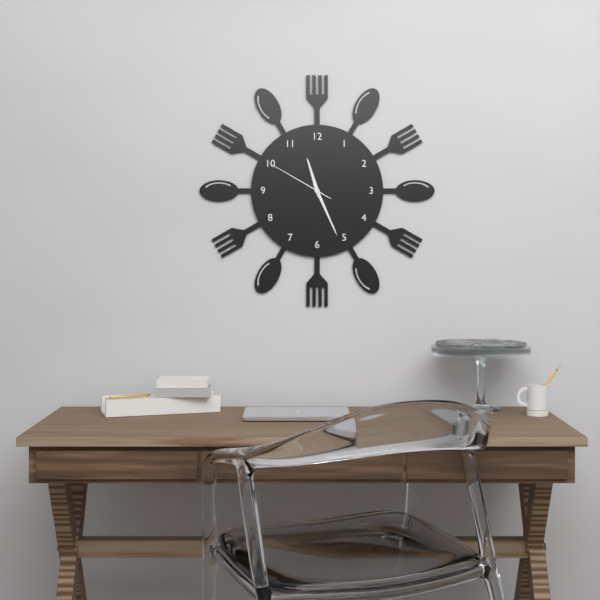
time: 11:26:50
